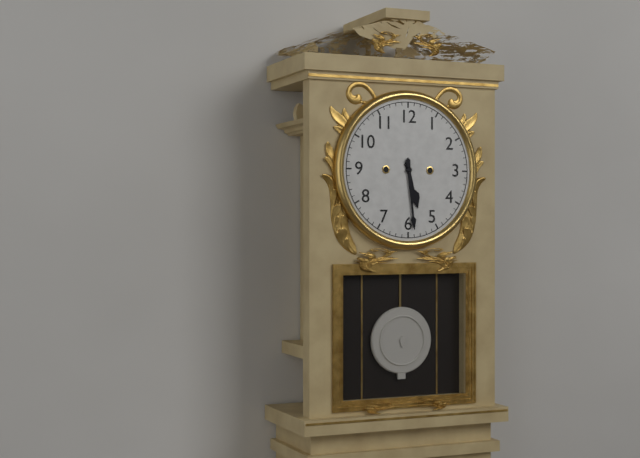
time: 5:29
